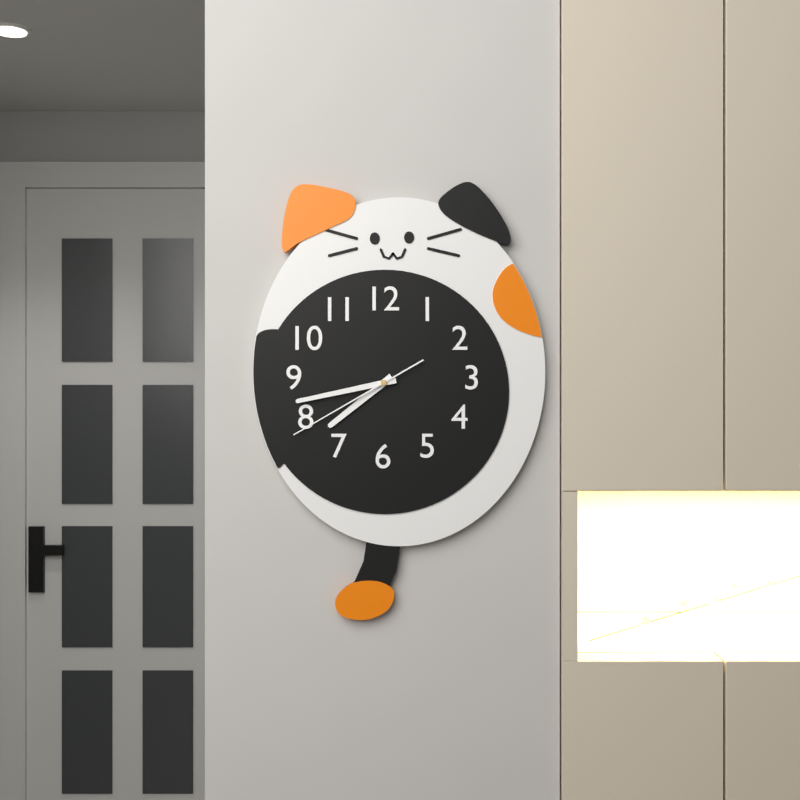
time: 7:43:40
